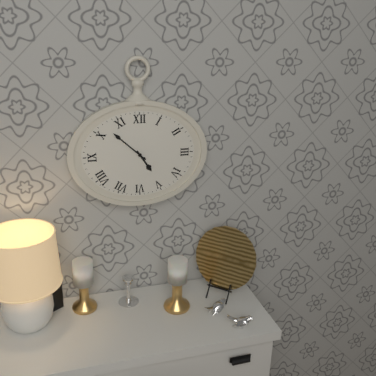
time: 4:52
